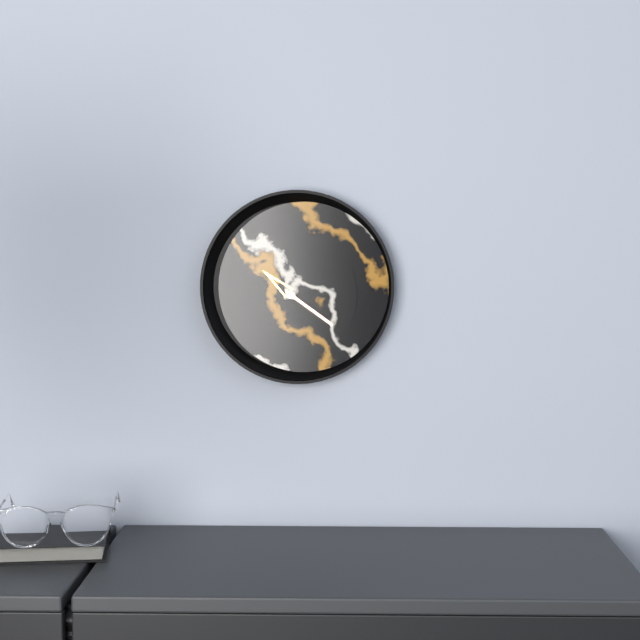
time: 10:21
